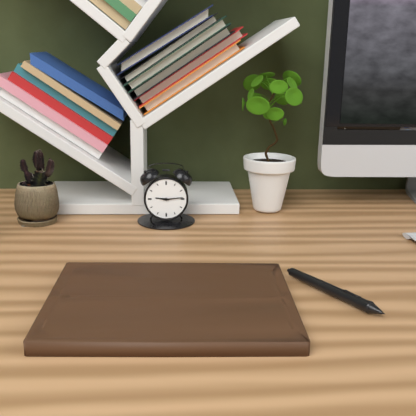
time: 9:14
